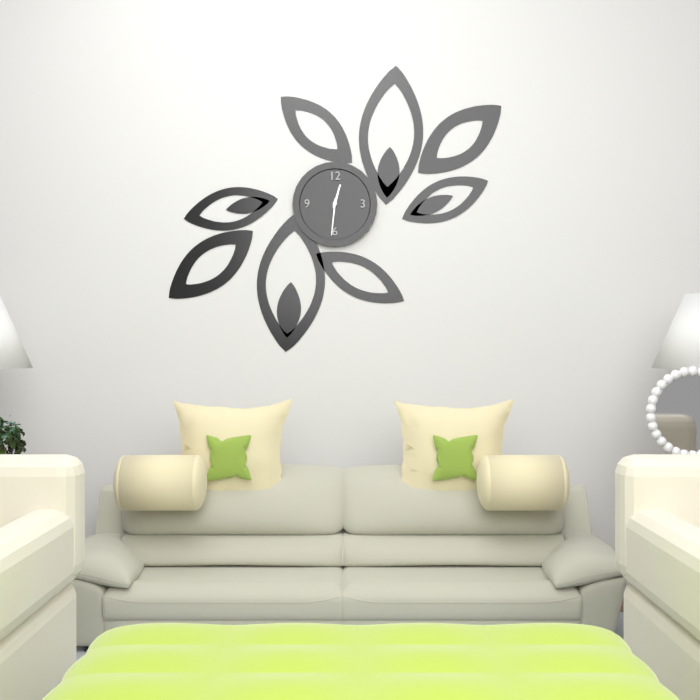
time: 12:31
